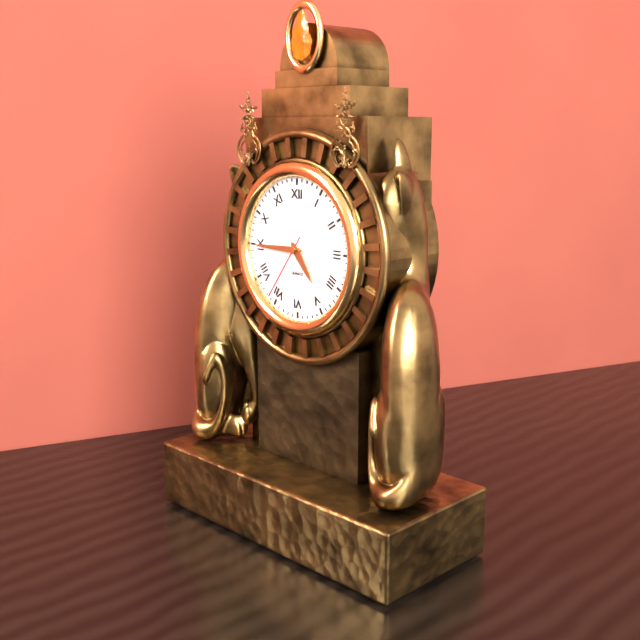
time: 4:45:36
